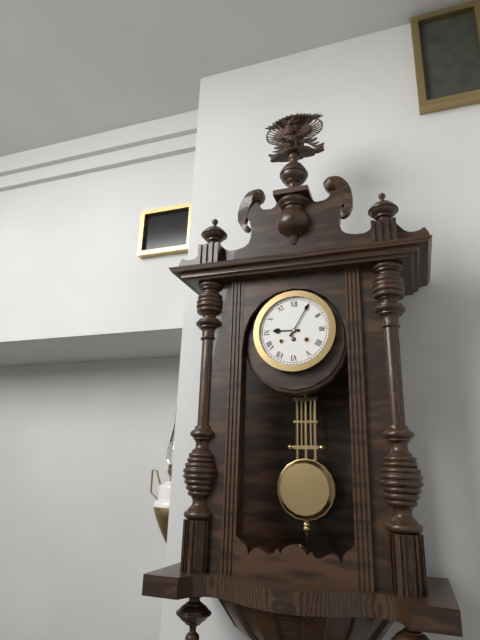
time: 9:05
